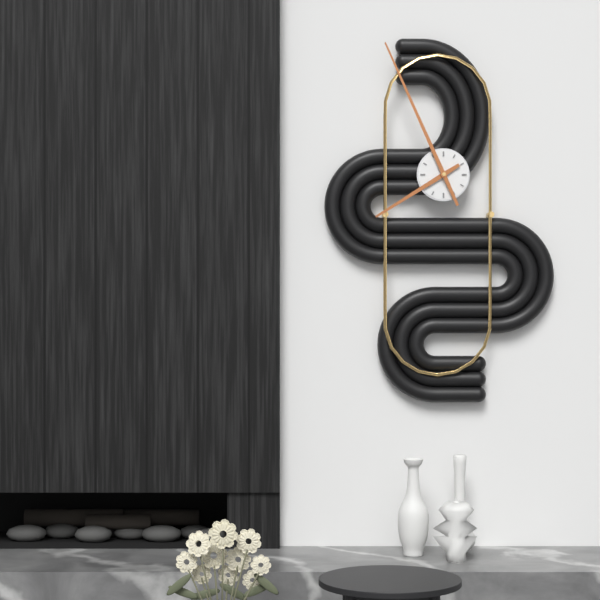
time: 7:56
